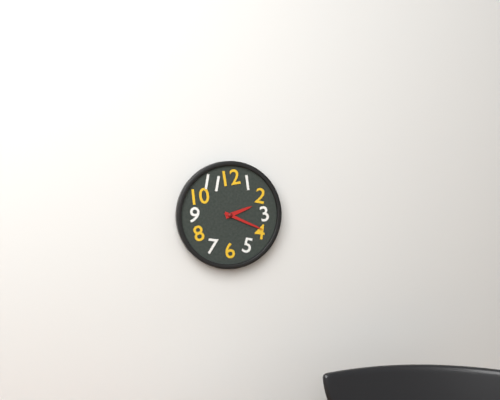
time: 2:19
